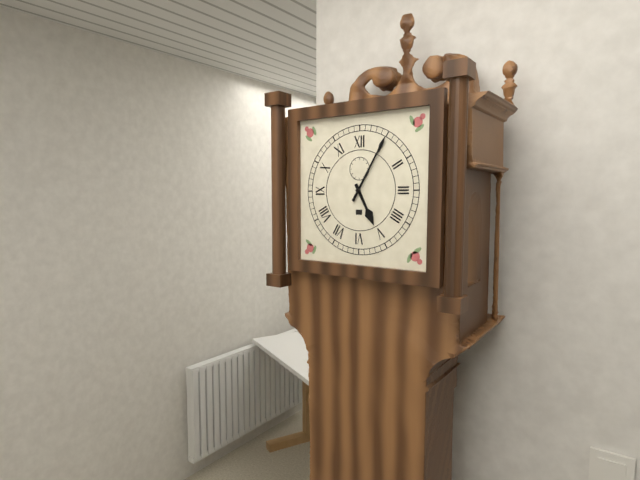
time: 5:05
